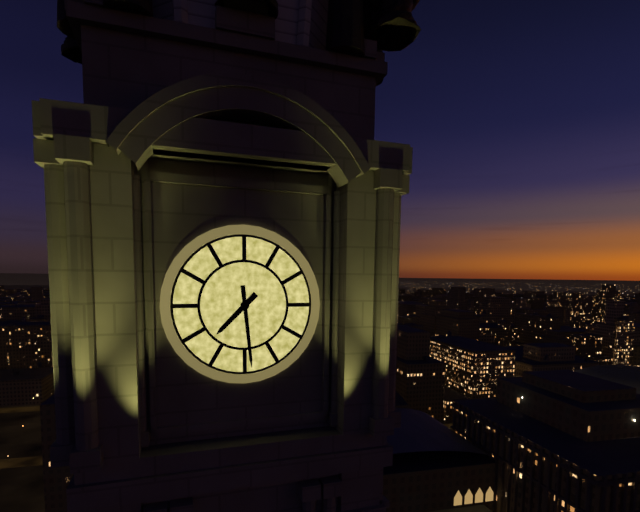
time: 7:29
